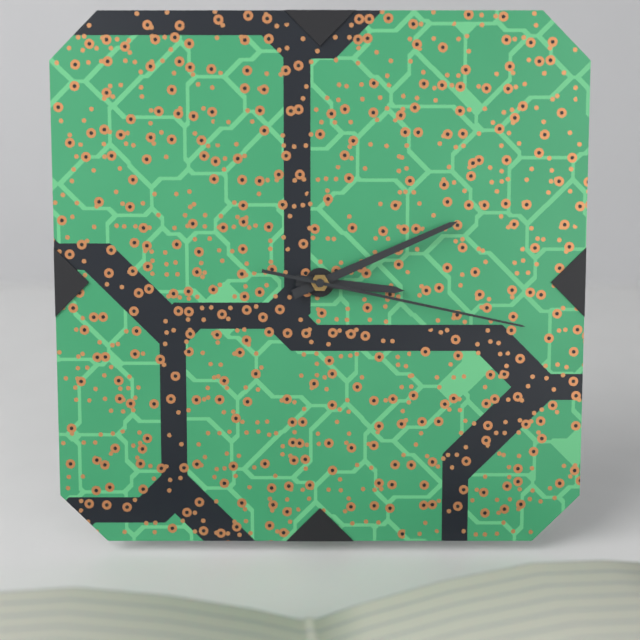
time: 3:11:17
